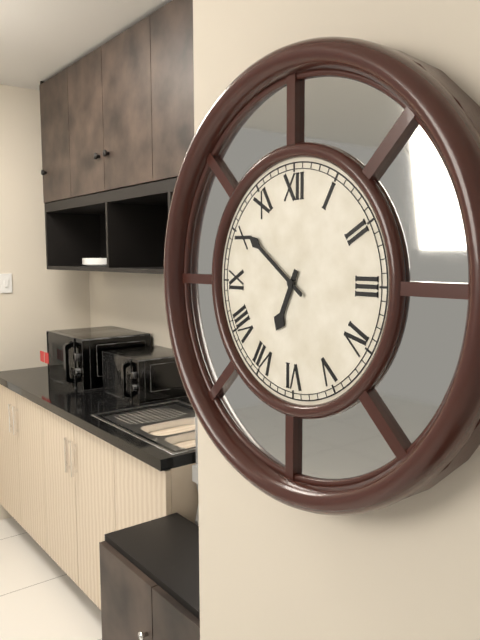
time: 6:51
